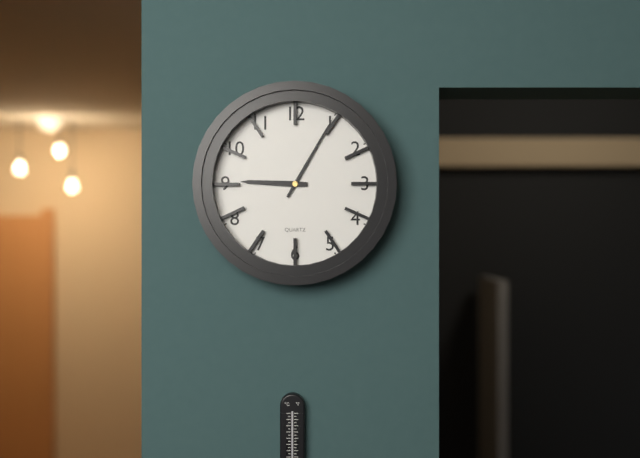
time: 9:05
